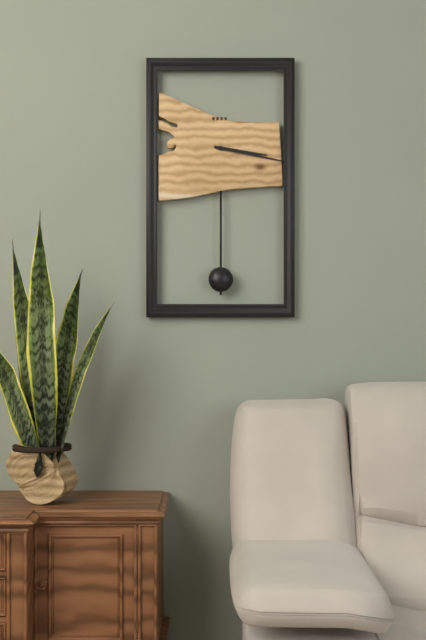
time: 3:17
